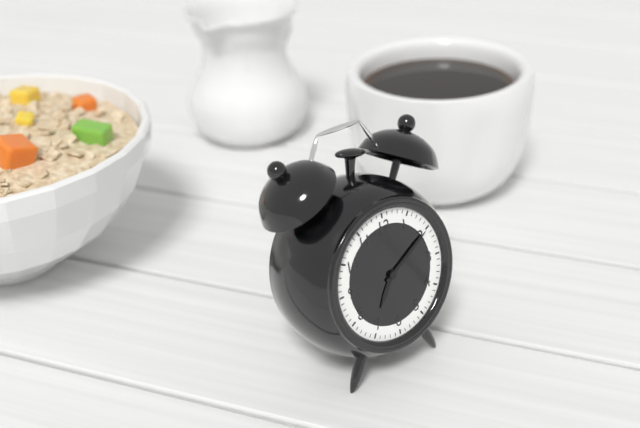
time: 7:10
